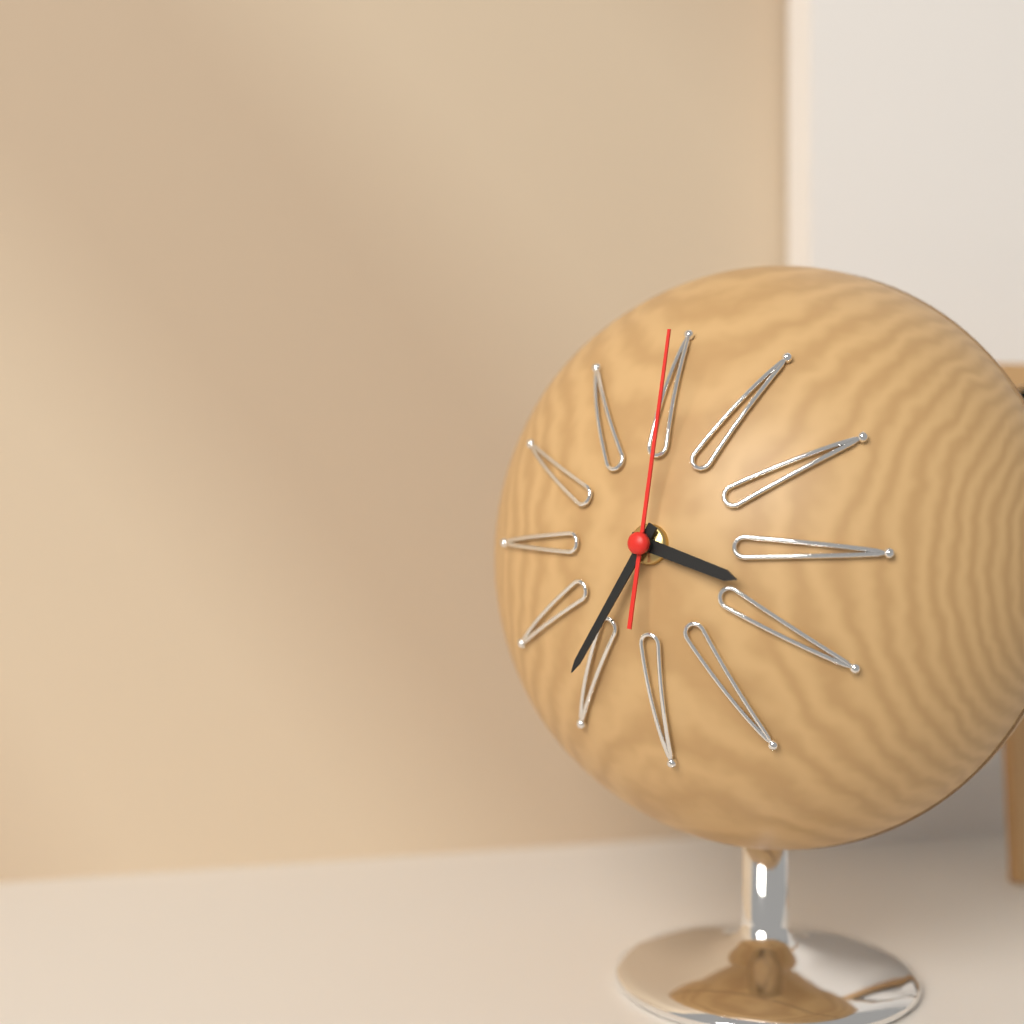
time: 3:35:01
